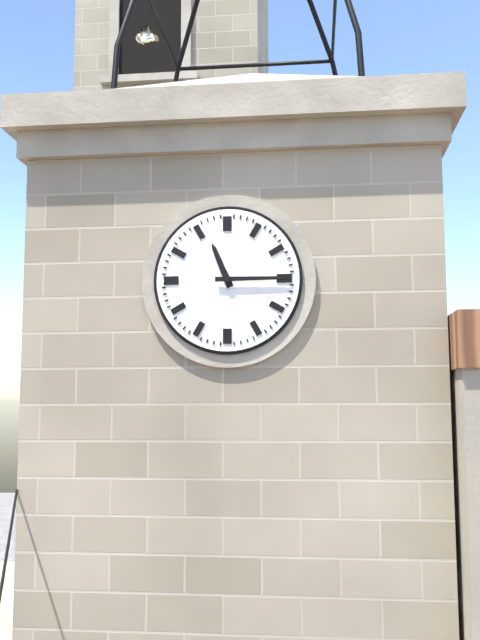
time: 11:15
